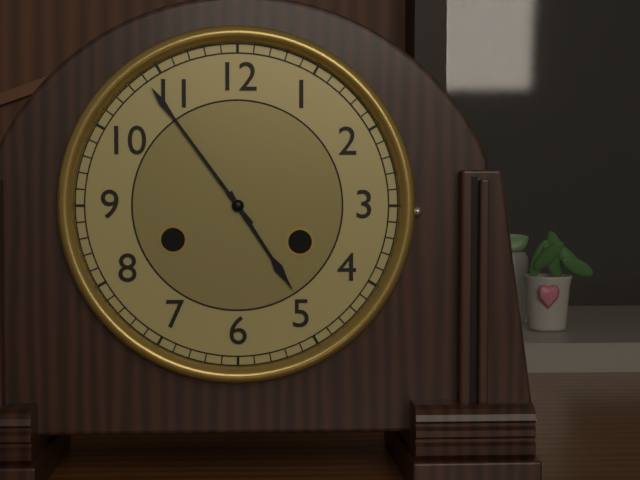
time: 4:54
